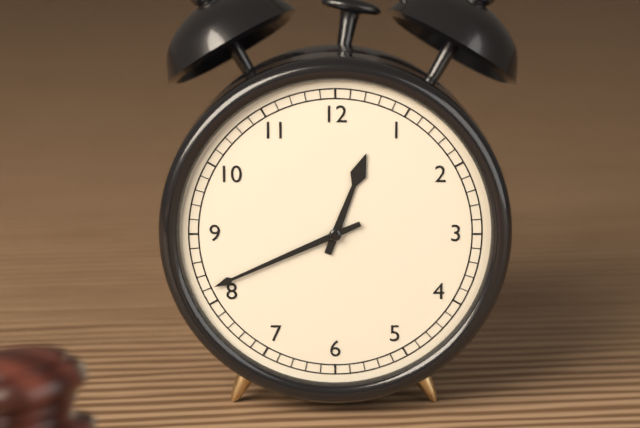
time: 12:41
